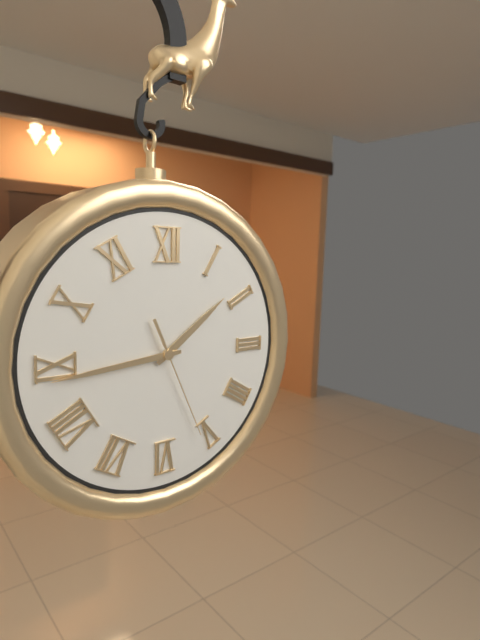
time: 1:44:26
